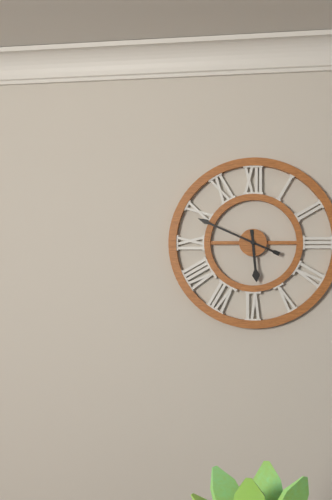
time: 5:49
